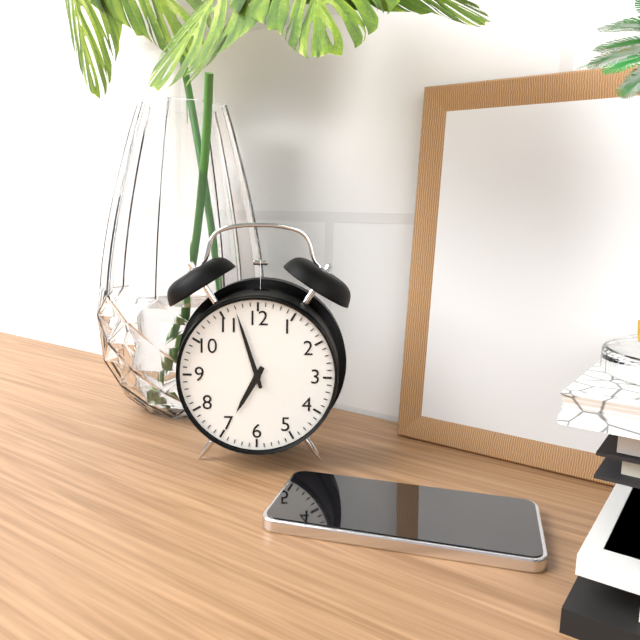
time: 6:57
